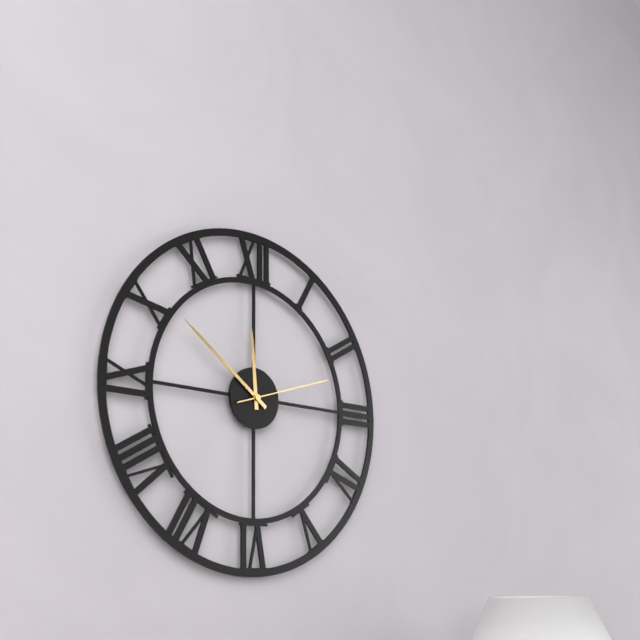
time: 11:51:12
